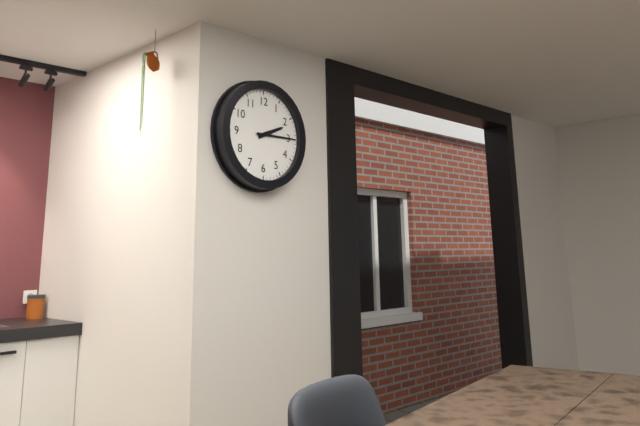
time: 2:15
